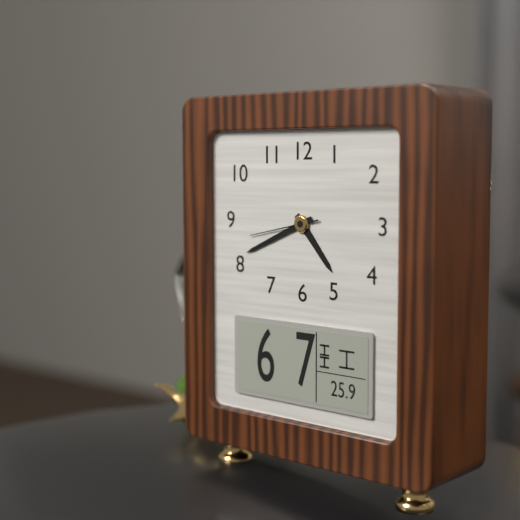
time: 4:41:43
